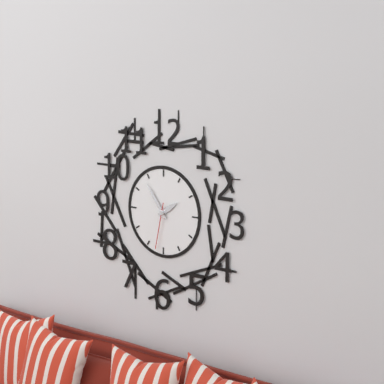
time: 1:54
